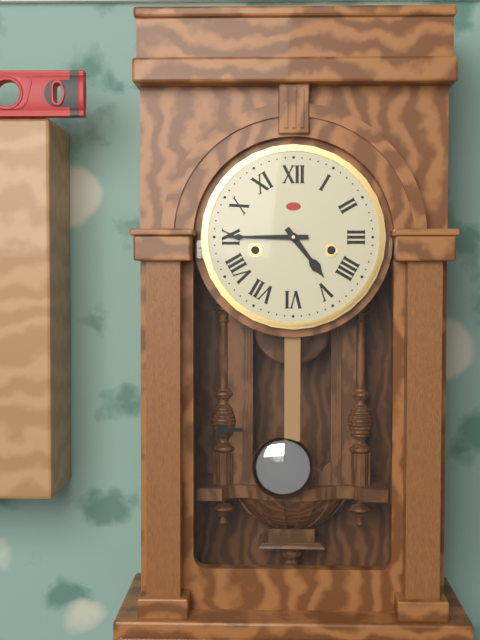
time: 4:45
